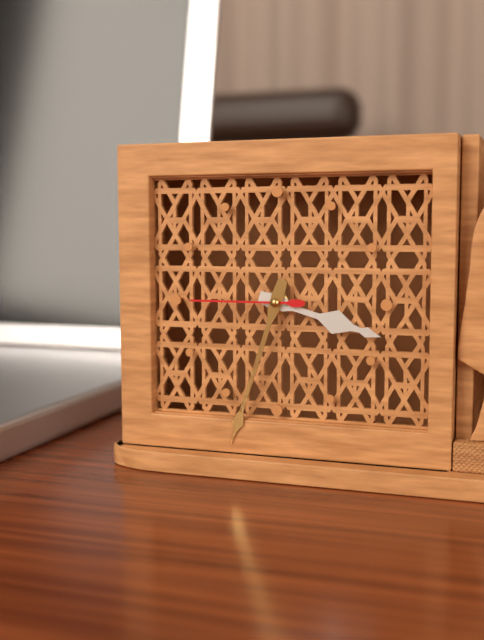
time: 3:33:45
